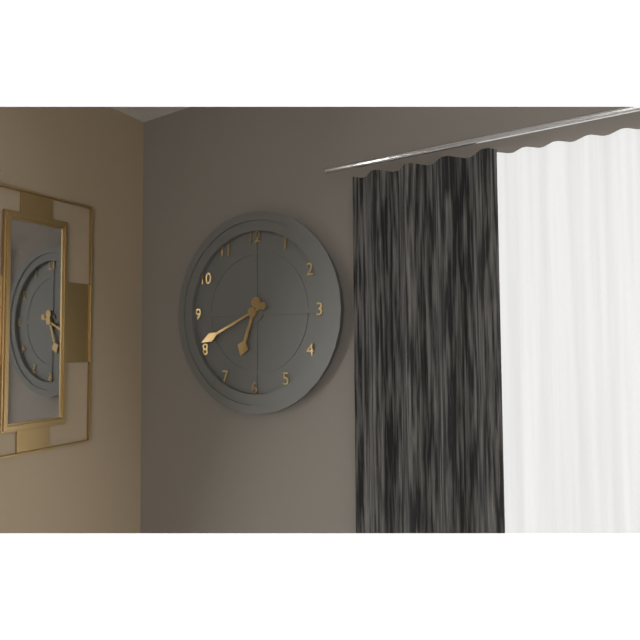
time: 6:41
